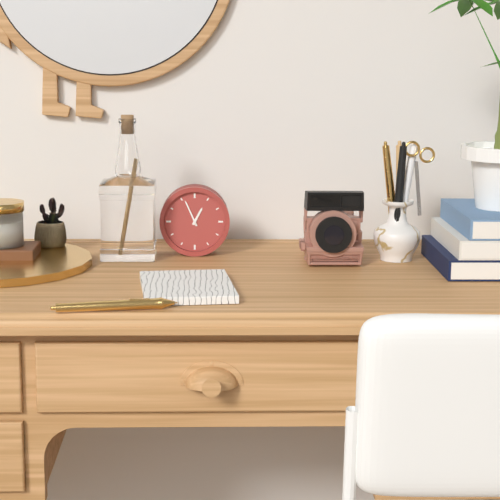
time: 12:56
